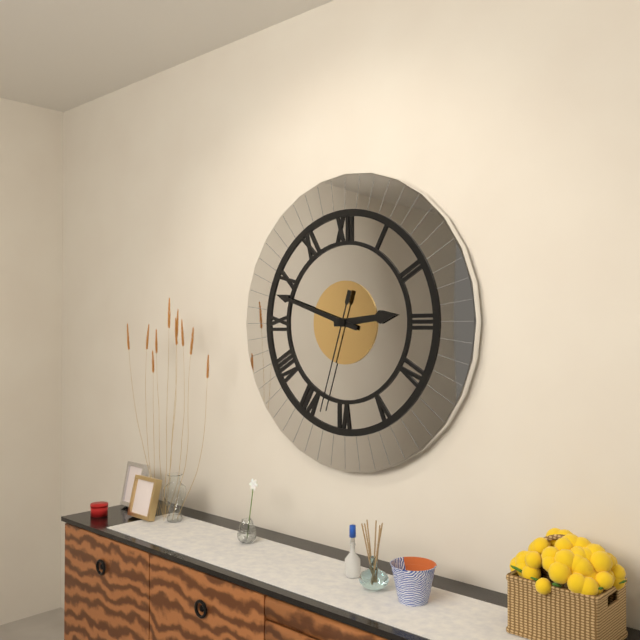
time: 2:48:33
